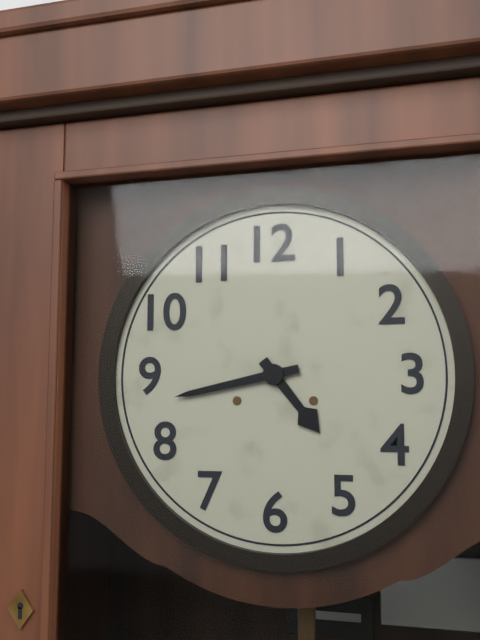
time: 4:43
